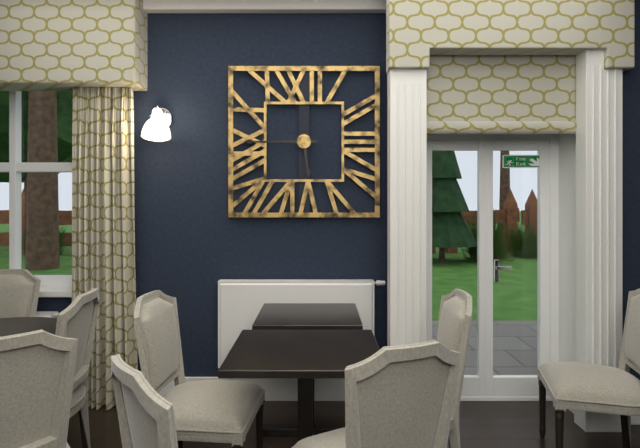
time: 5:45
